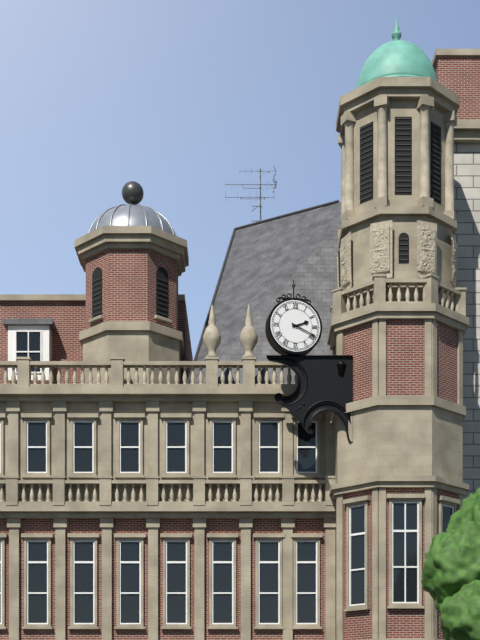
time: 2:19
